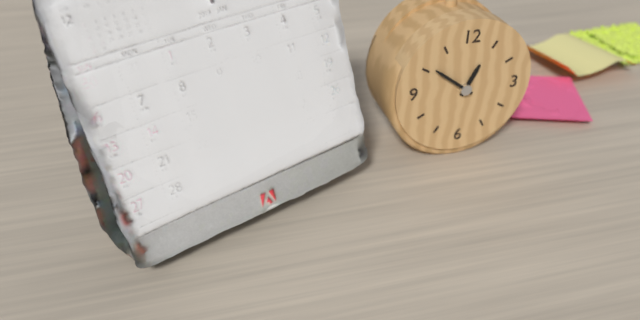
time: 12:51
